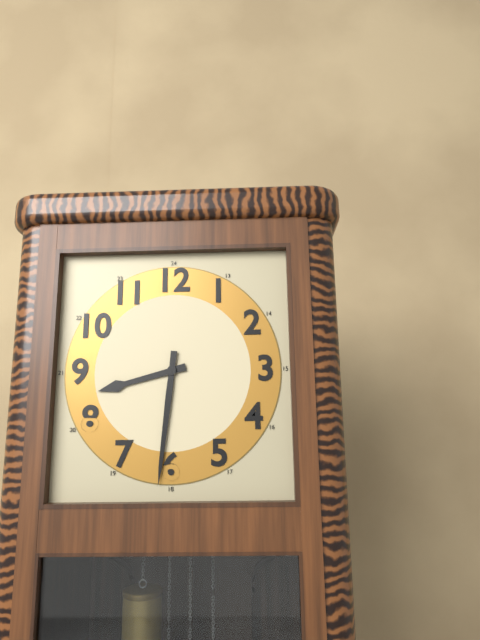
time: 8:31
